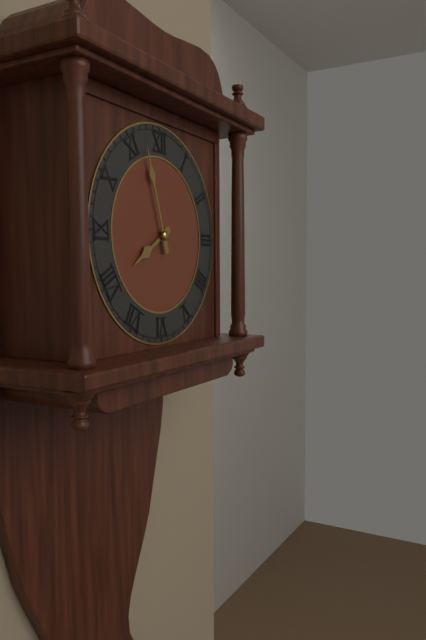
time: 7:57
